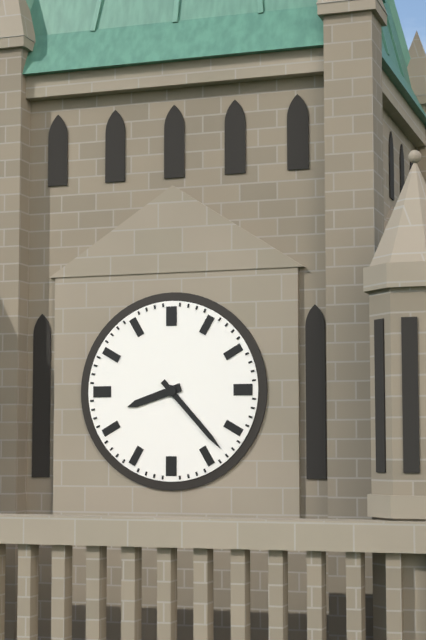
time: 8:23
